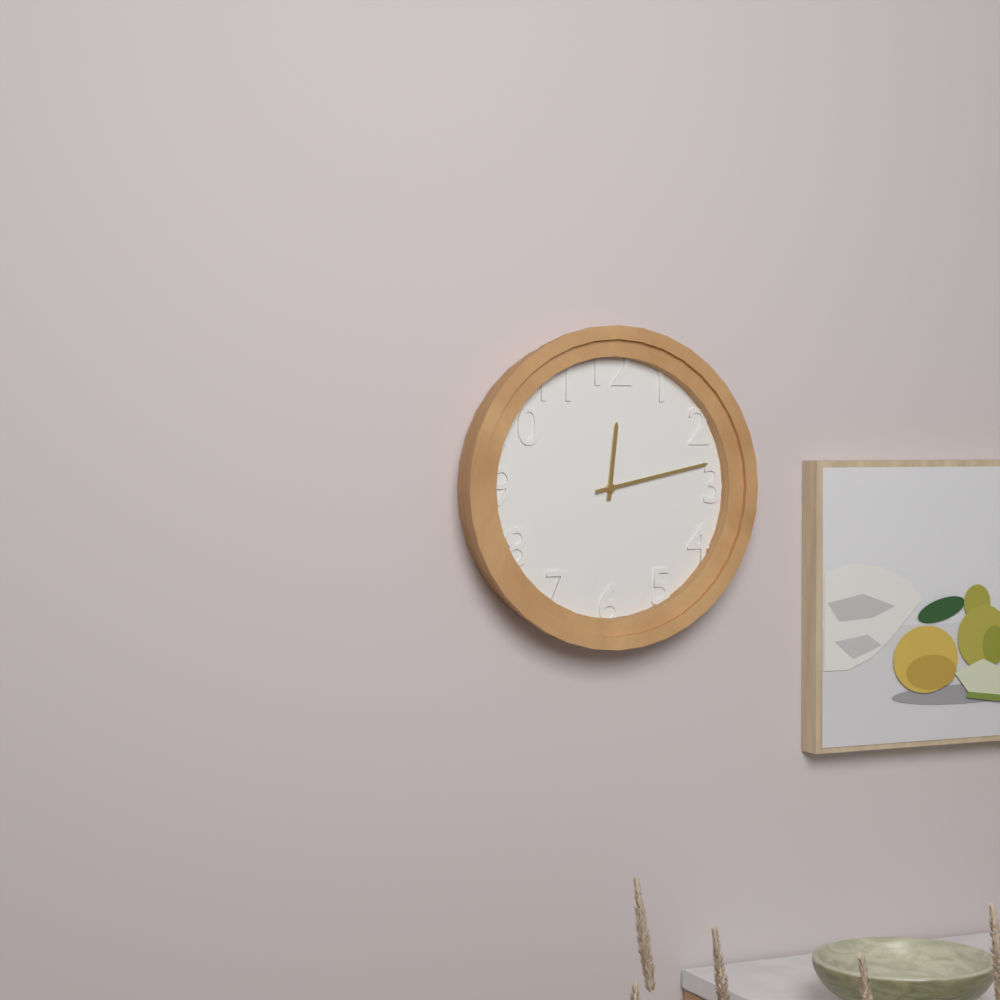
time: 12:13
